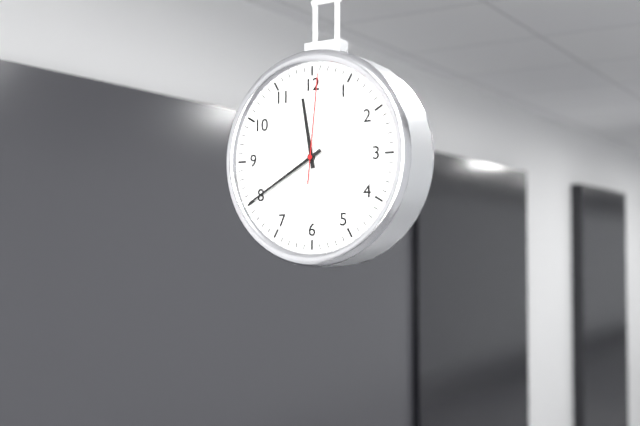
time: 11:40:01
